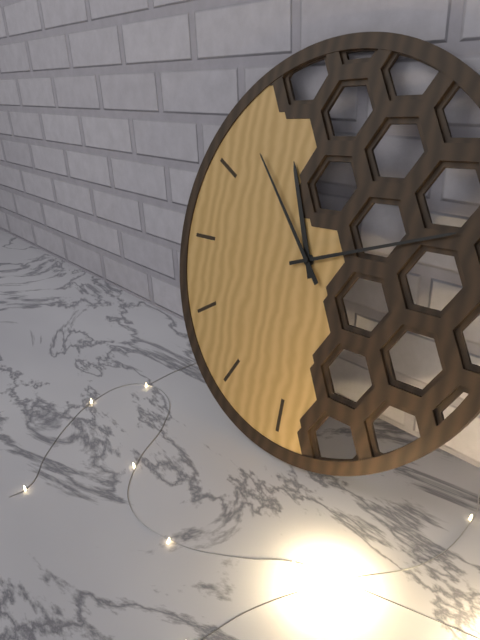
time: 11:12:53
